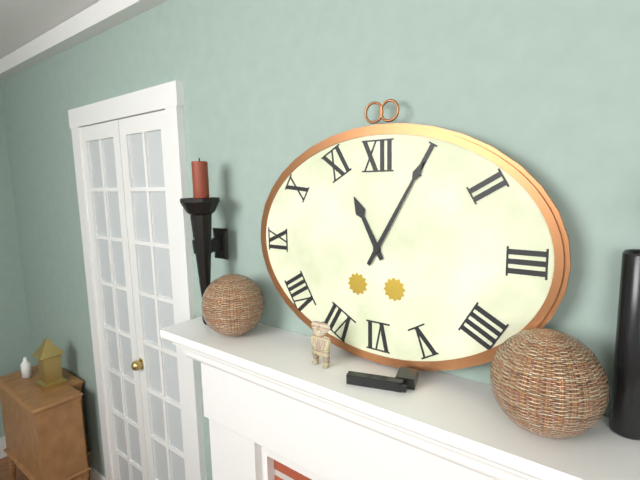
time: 11:05
